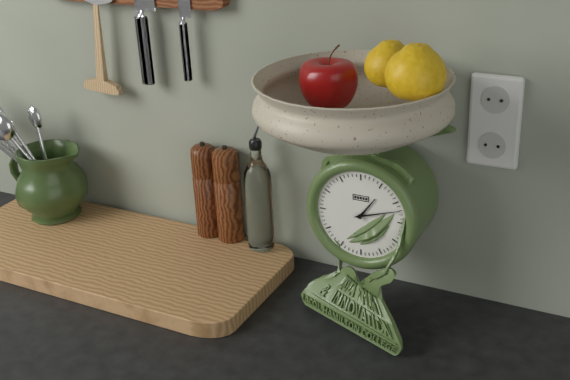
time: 1:12
